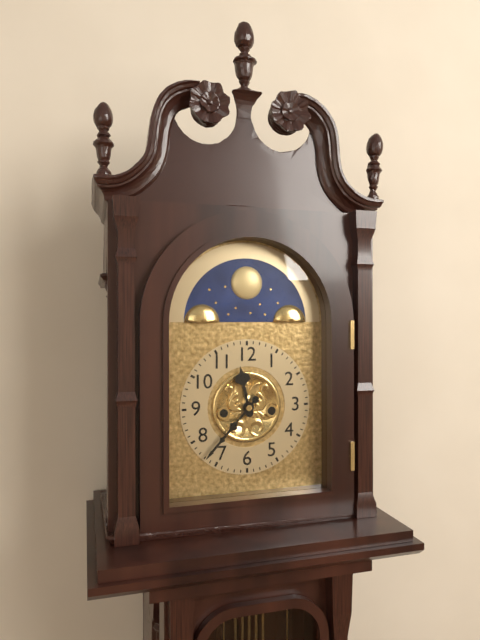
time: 11:37
